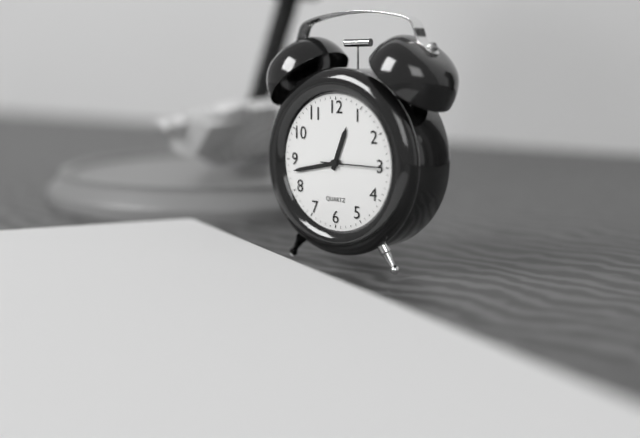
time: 12:43:15
